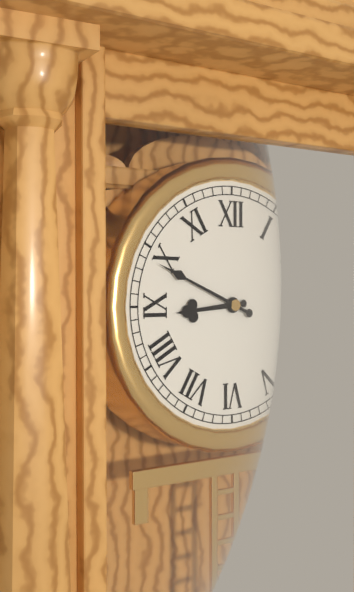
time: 8:49
